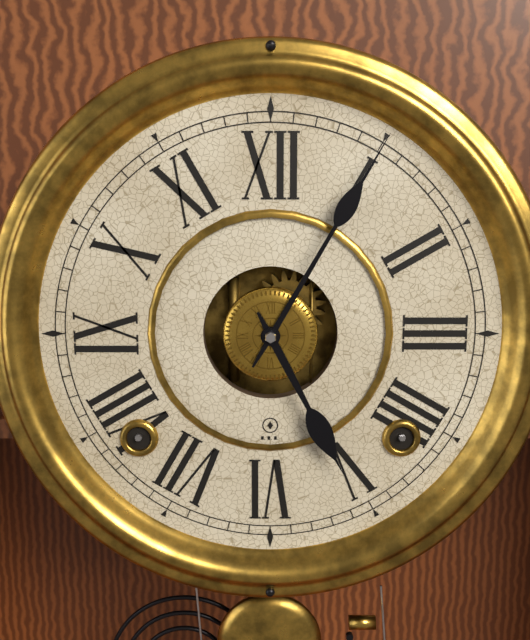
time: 5:05
